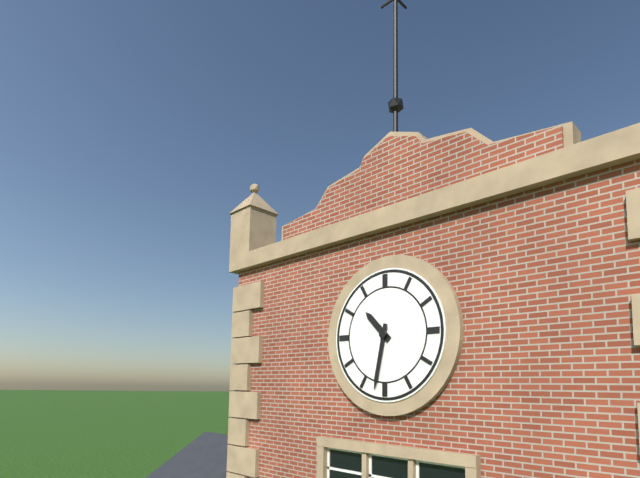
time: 10:32
